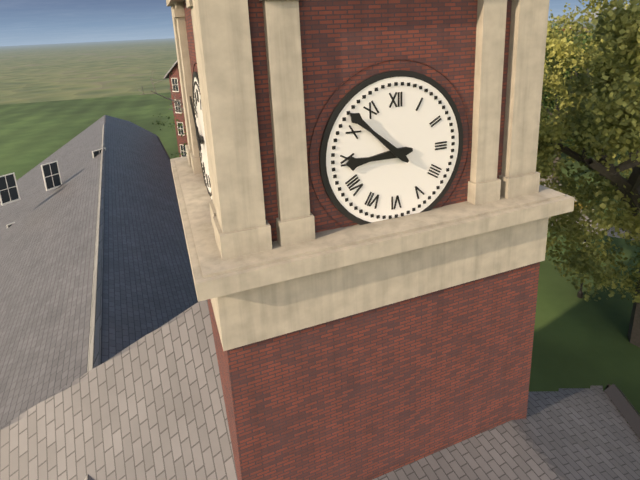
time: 8:52
